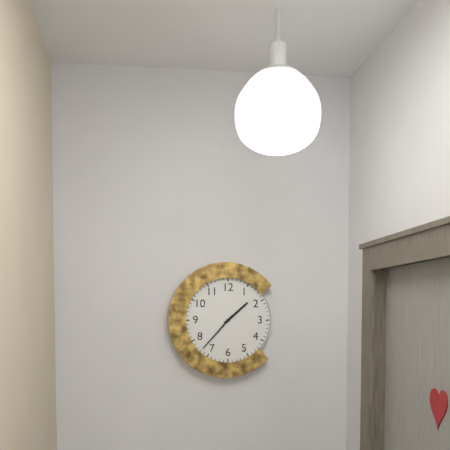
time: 1:37
